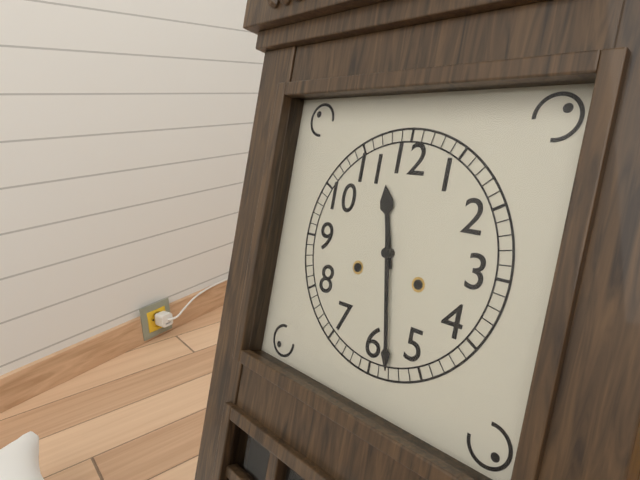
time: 11:28
